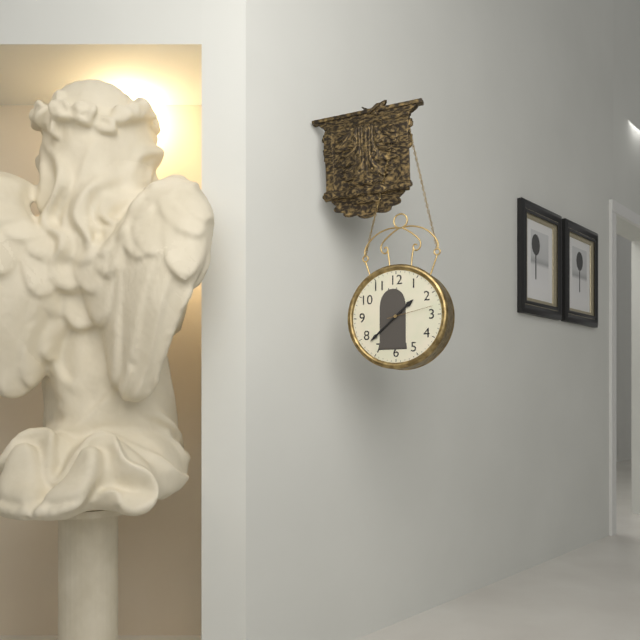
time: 1:38
